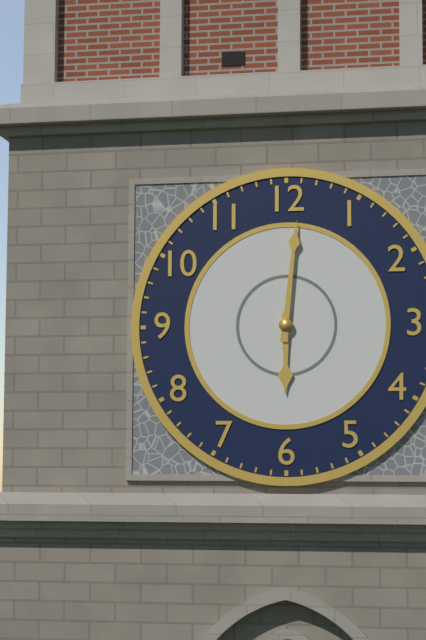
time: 6:01
